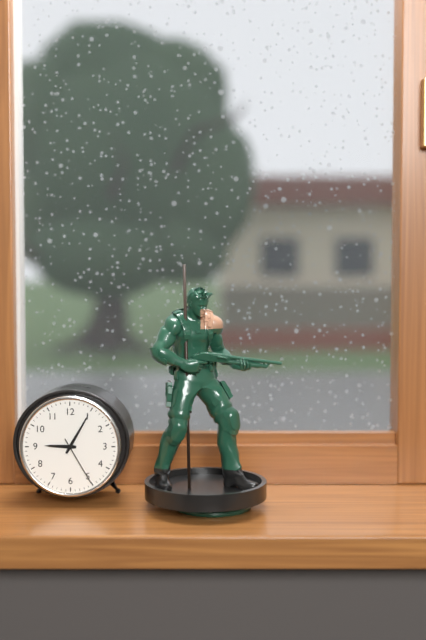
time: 9:05:25
